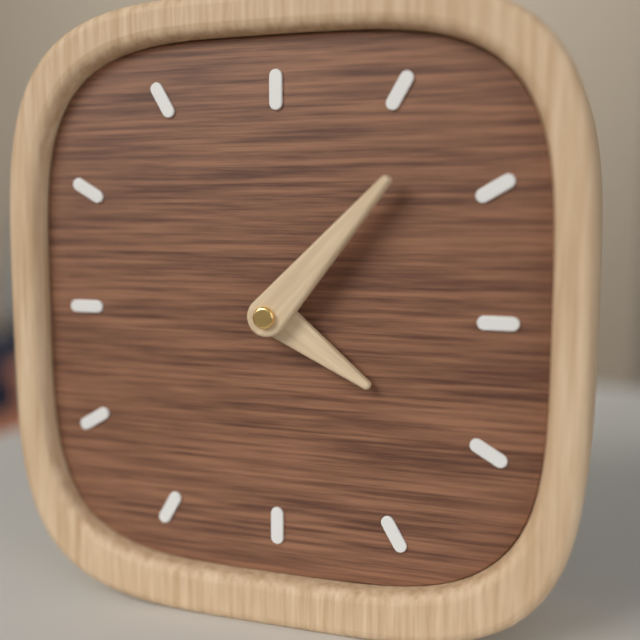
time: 4:07
